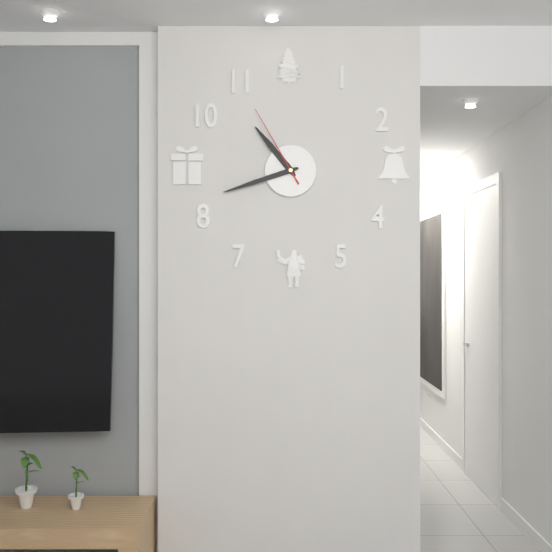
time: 10:42:55
